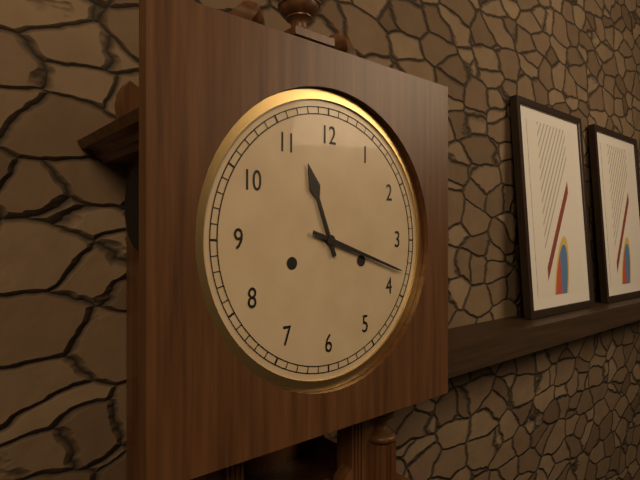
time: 11:18
